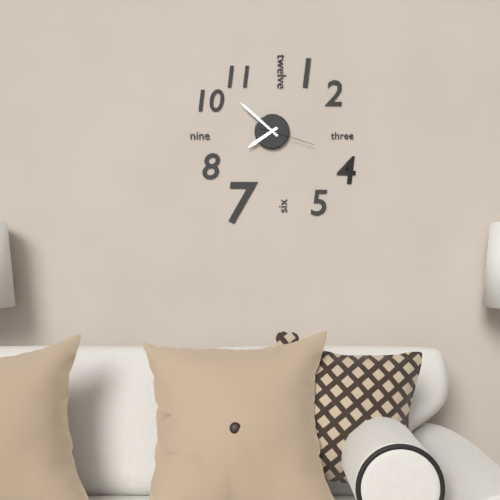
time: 7:52:18
